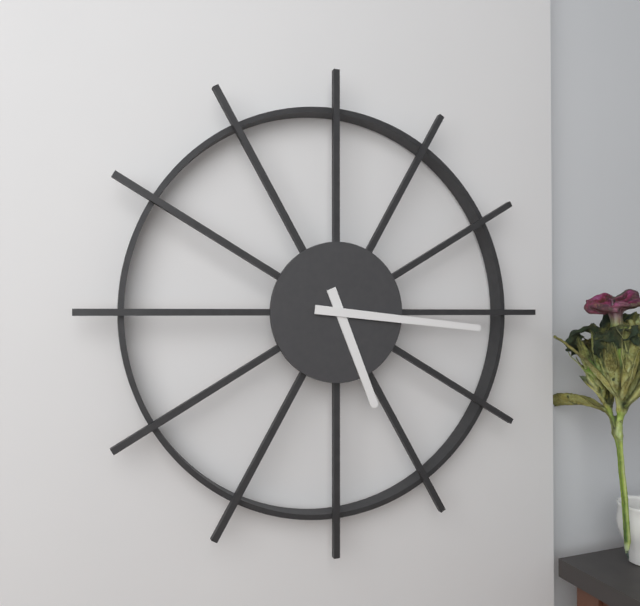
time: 5:16
